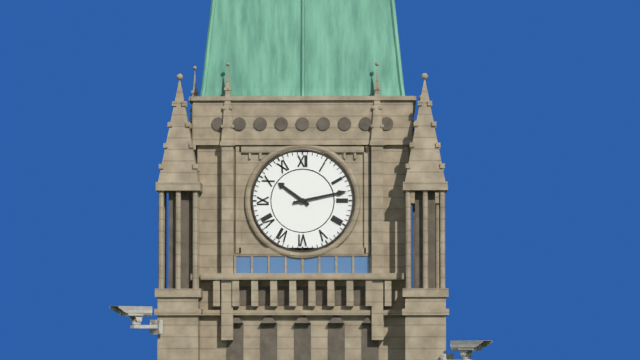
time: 10:13
